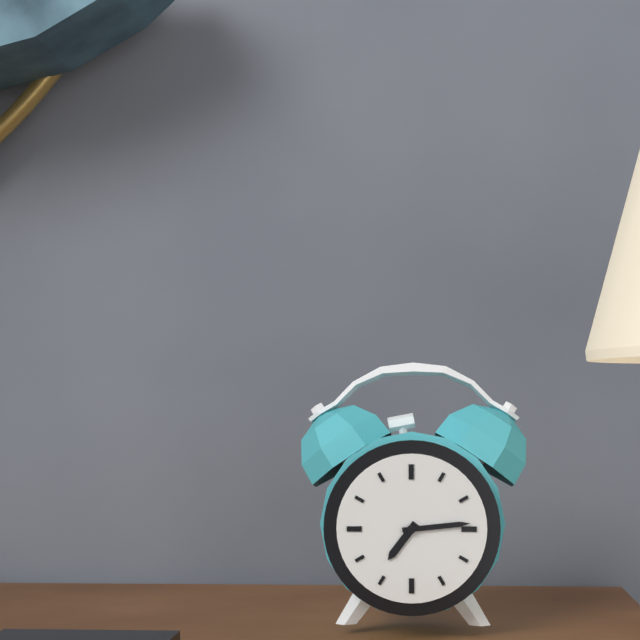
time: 7:14
